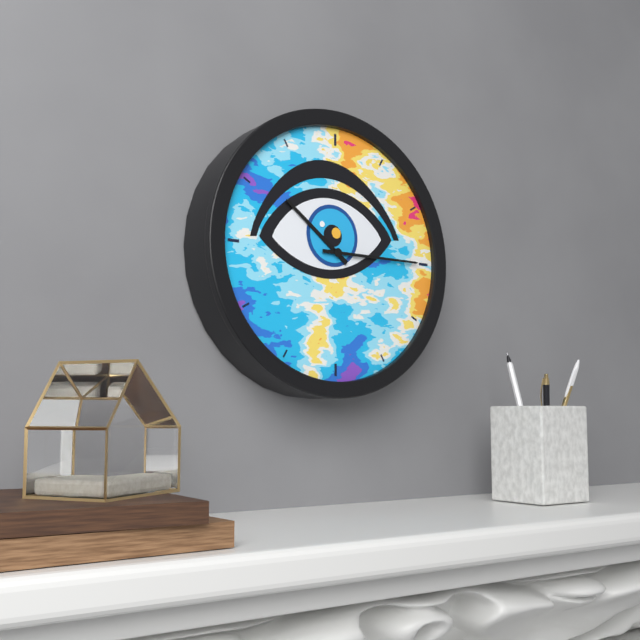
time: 10:15
